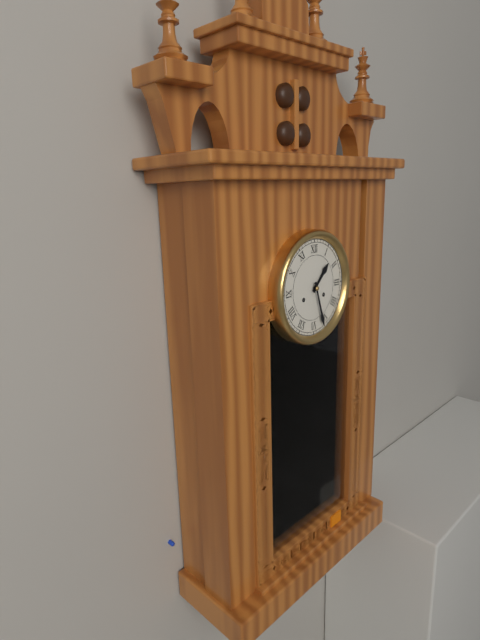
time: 1:27
